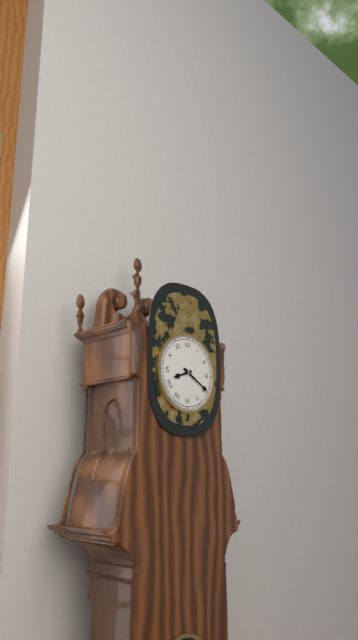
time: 8:20
